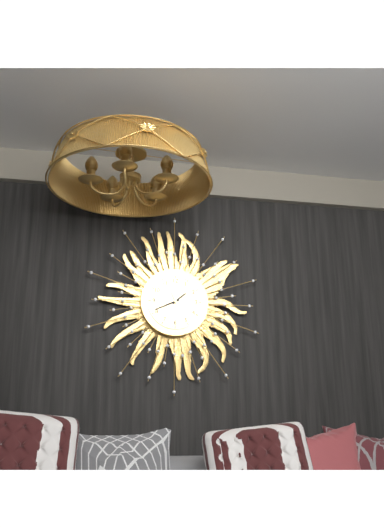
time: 1:41
